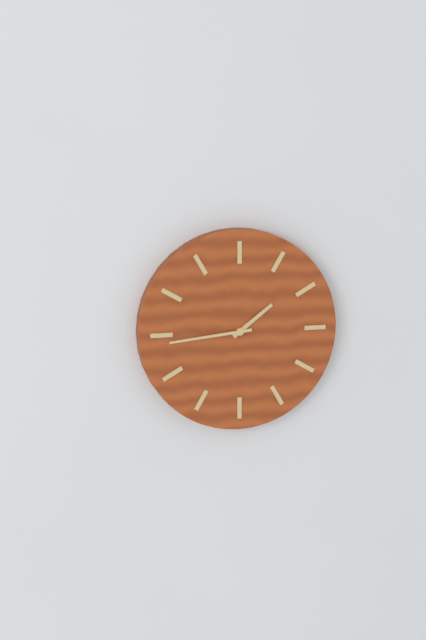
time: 1:44
